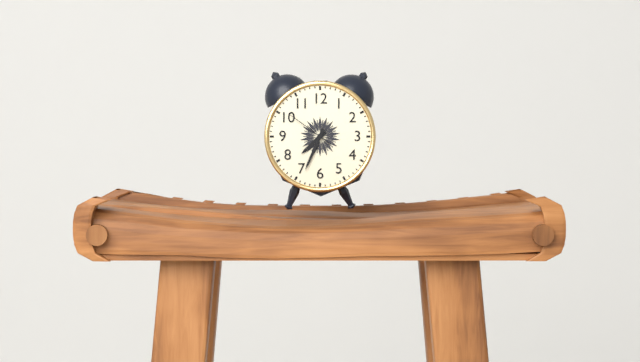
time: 7:34:51
